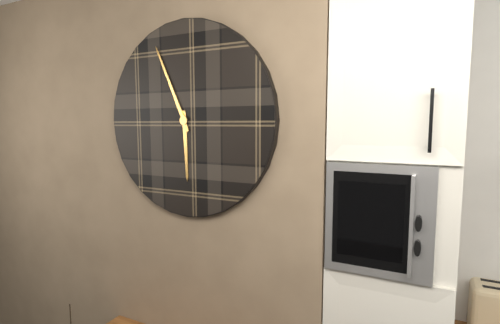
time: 5:56
